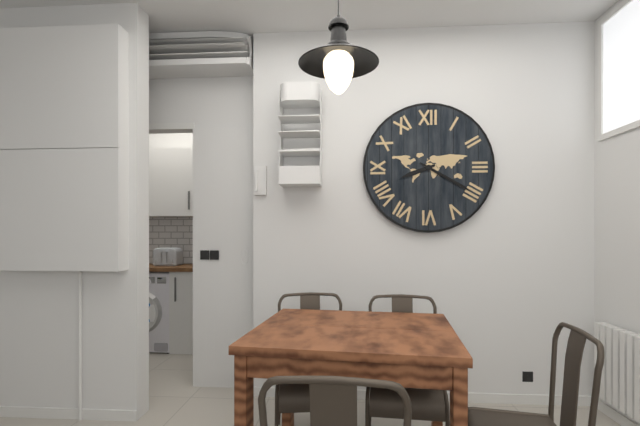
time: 8:20
